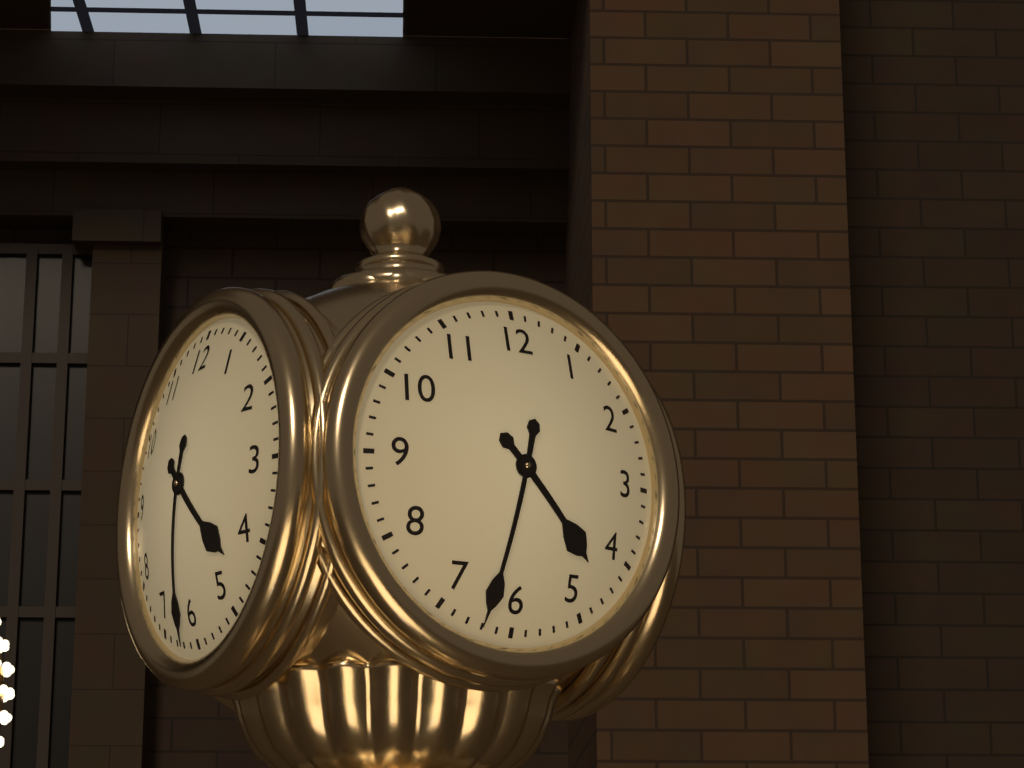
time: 4:32
